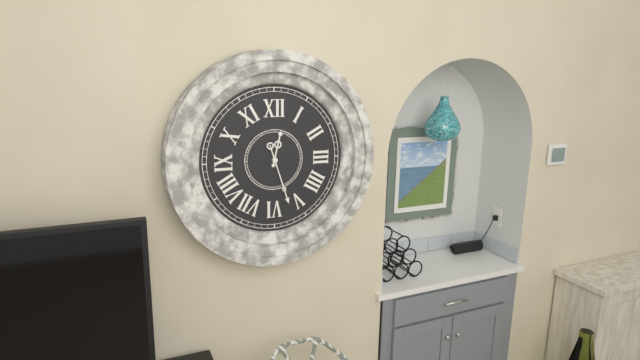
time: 12:27
